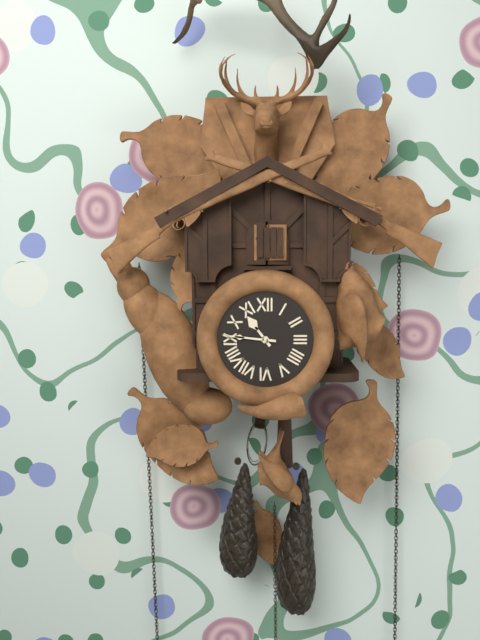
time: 10:46
